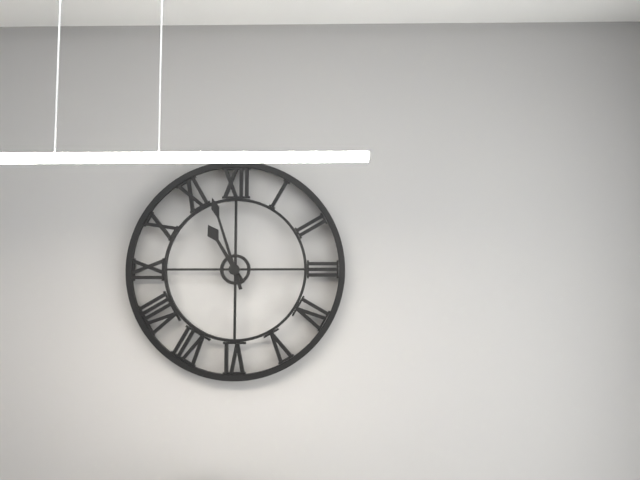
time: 10:57
